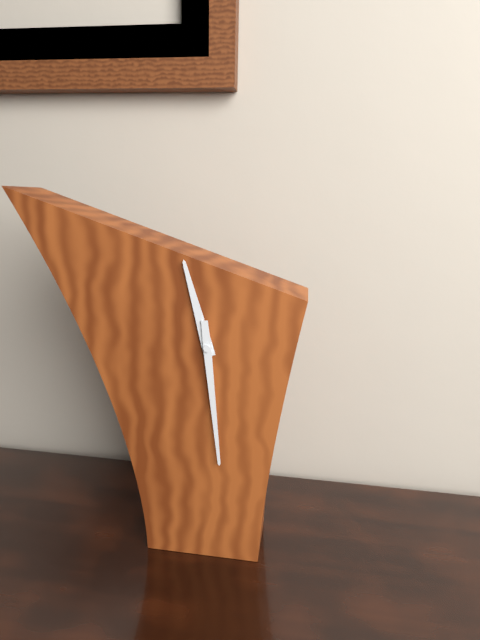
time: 11:29
